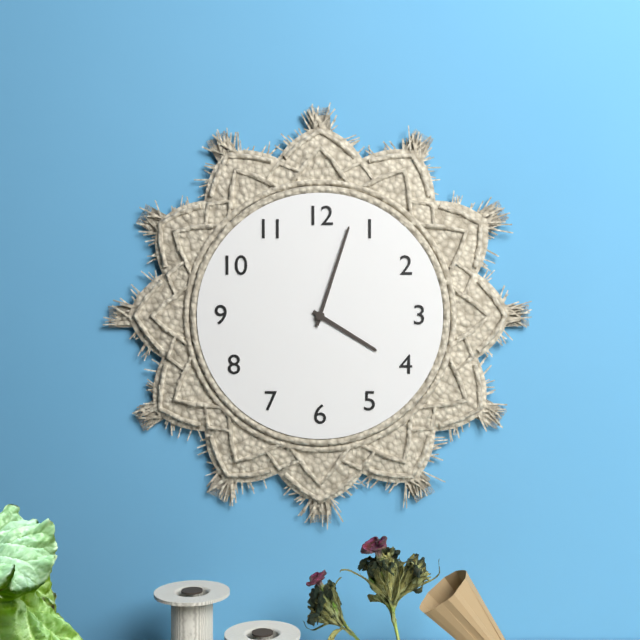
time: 4:03
